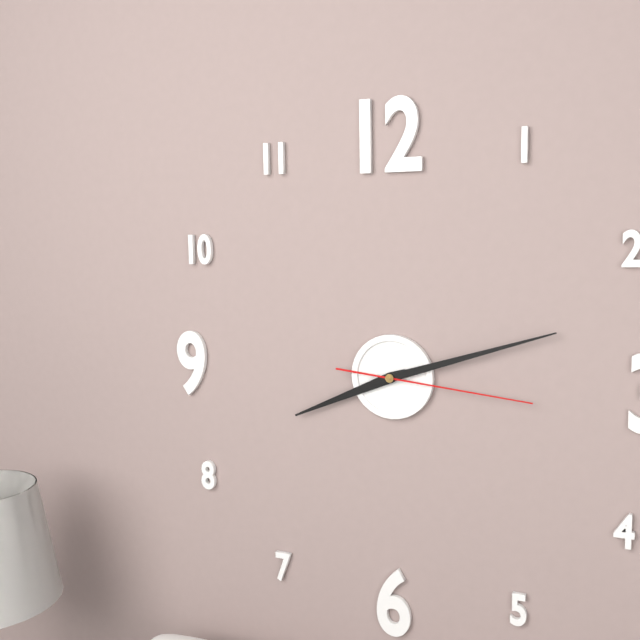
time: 8:12:16
